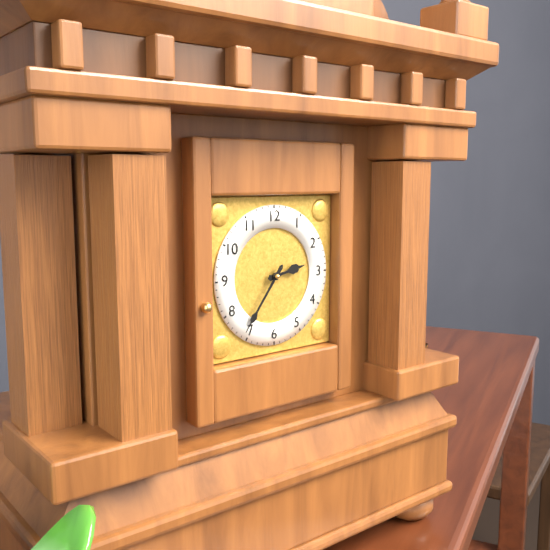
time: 2:36
